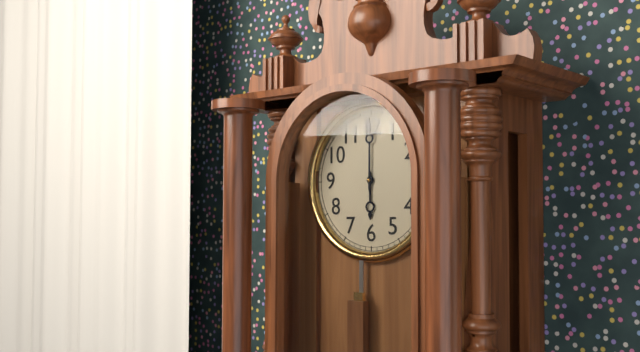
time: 6:00
